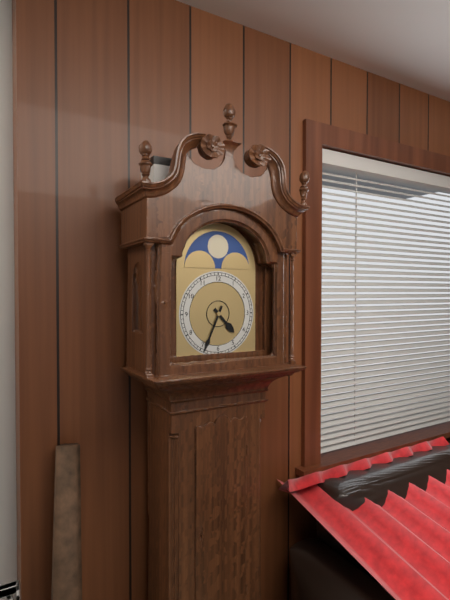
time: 4:34
